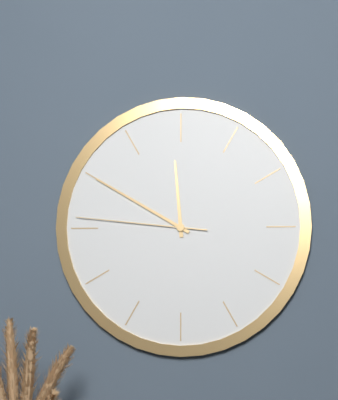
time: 11:50:46
